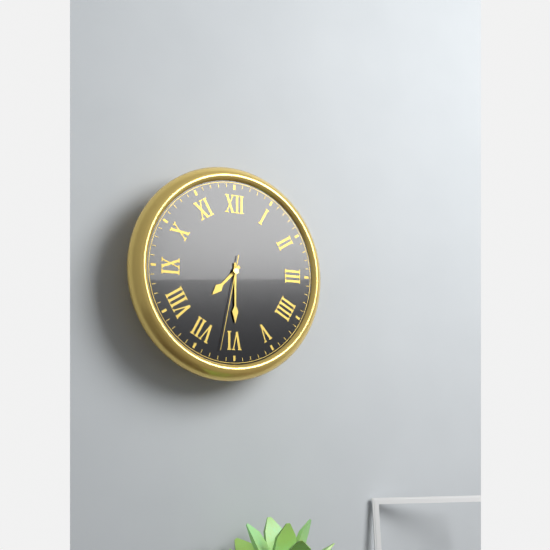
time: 7:30:32
